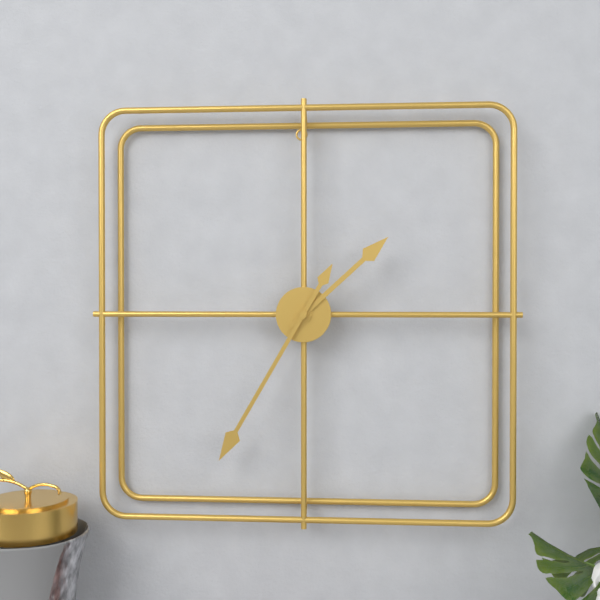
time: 1:35
